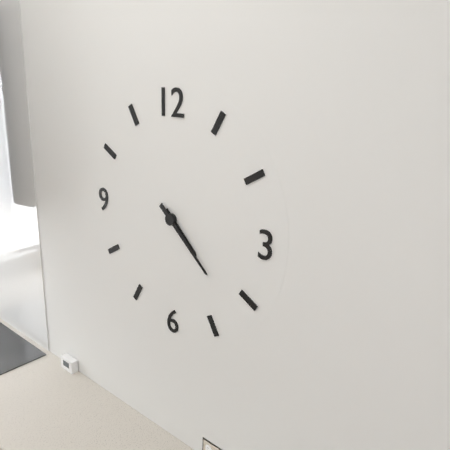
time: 4:22
